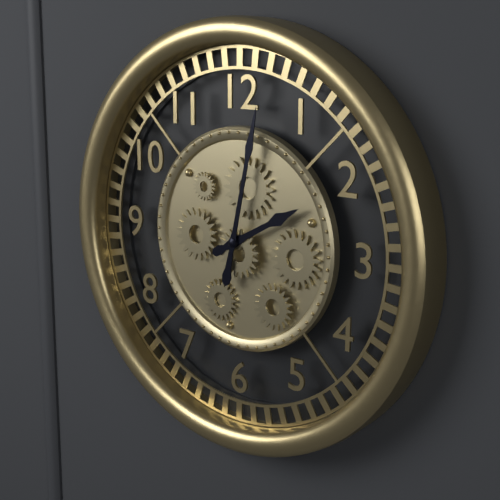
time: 2:02
